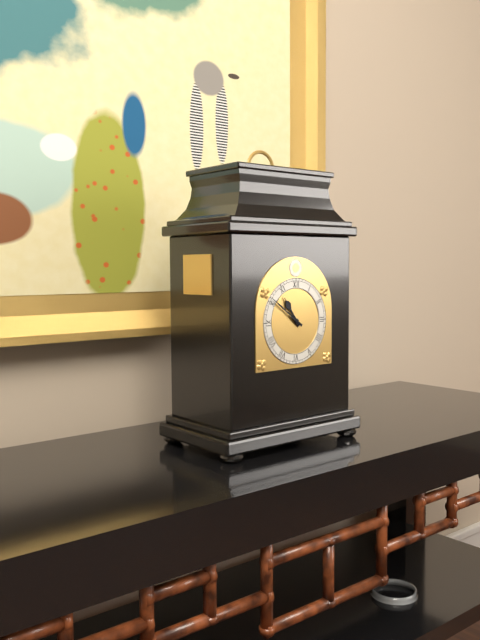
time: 10:51
